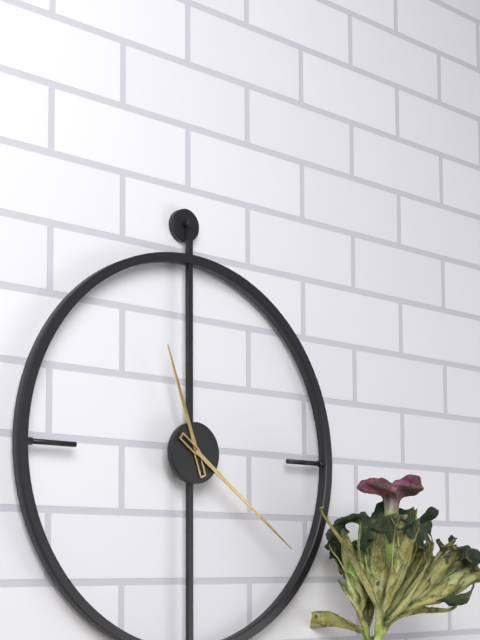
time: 11:21
